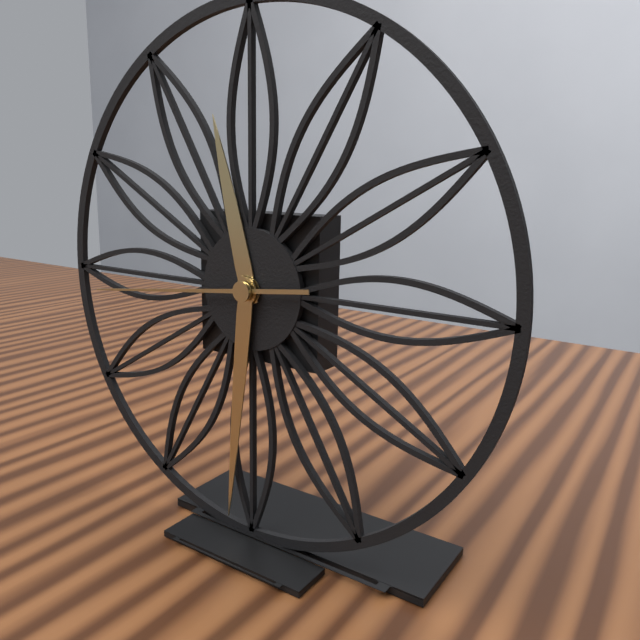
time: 11:31:44
